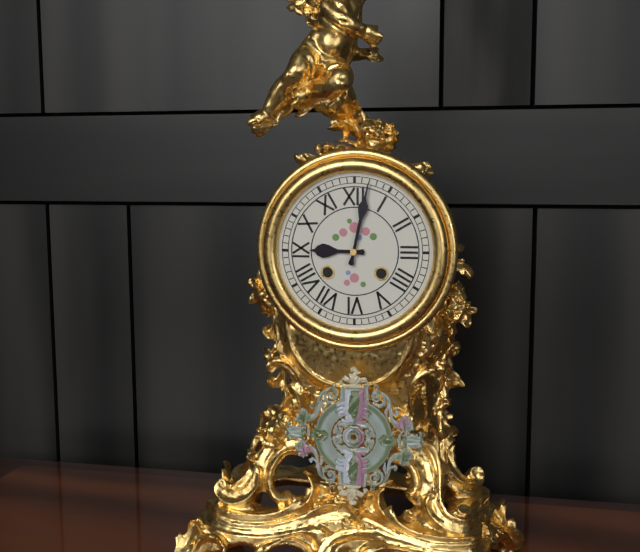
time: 9:02
